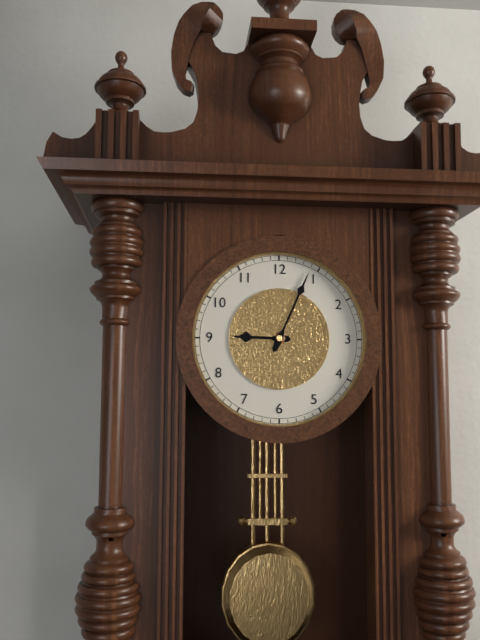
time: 9:04
